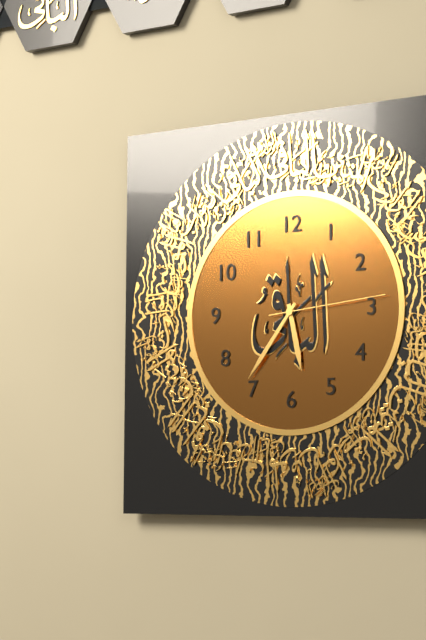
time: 5:36:14
